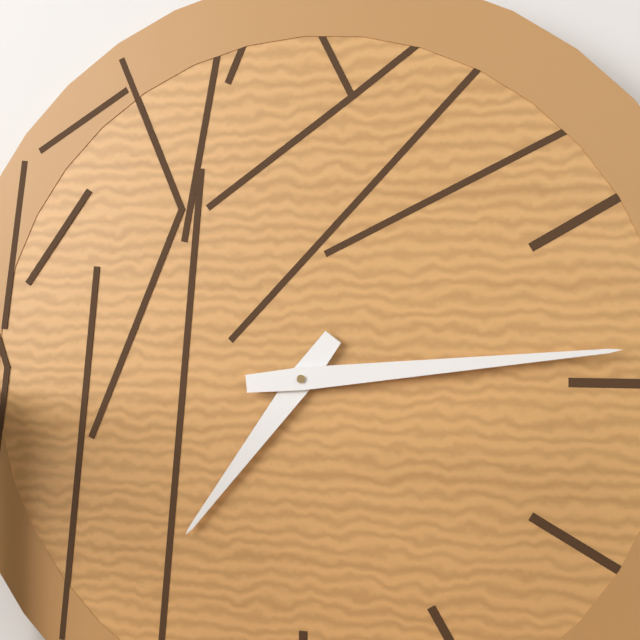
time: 7:14
